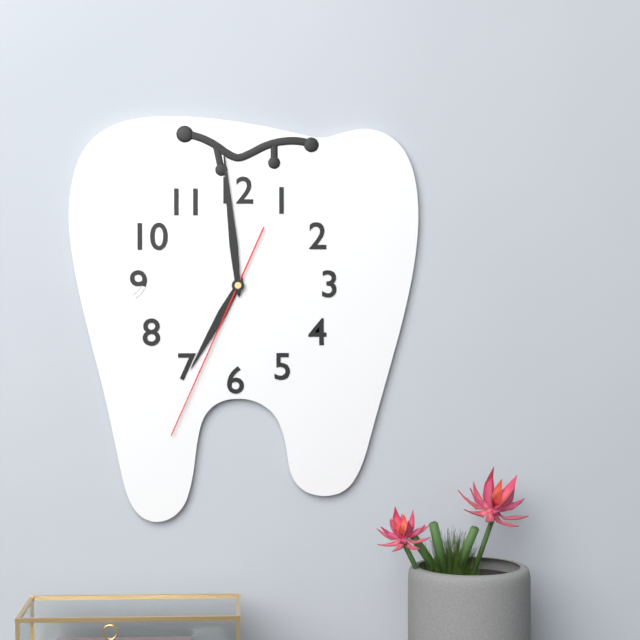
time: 6:59:34
